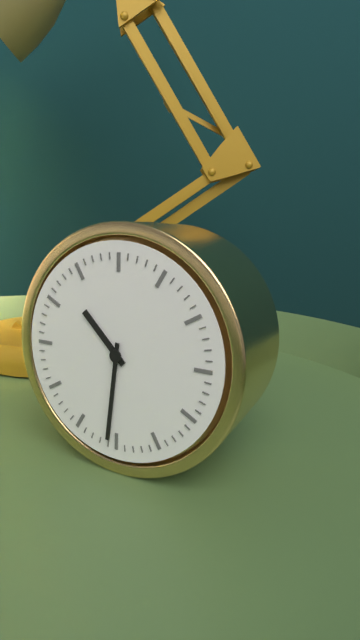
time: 10:31
